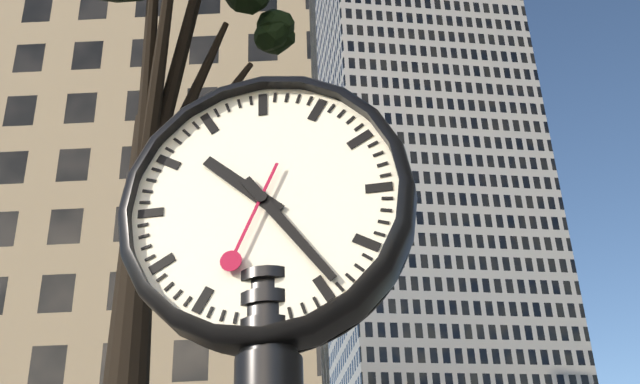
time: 10:24:34
